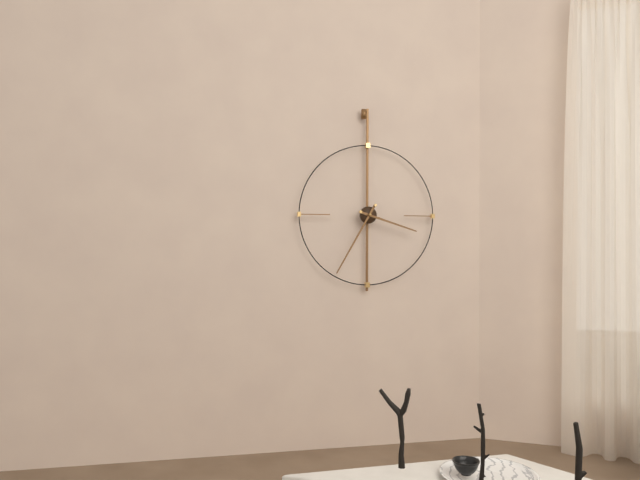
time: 3:35
